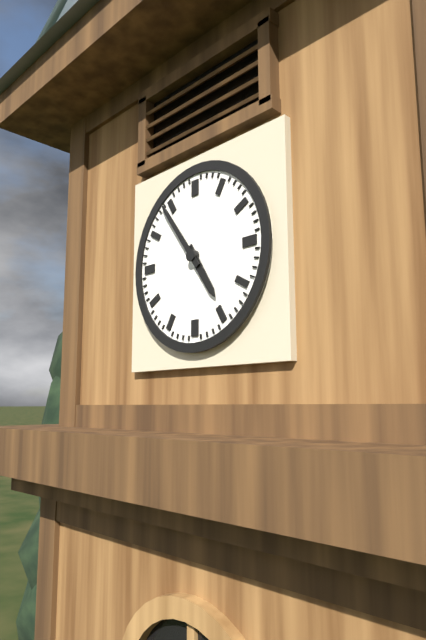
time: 4:54
